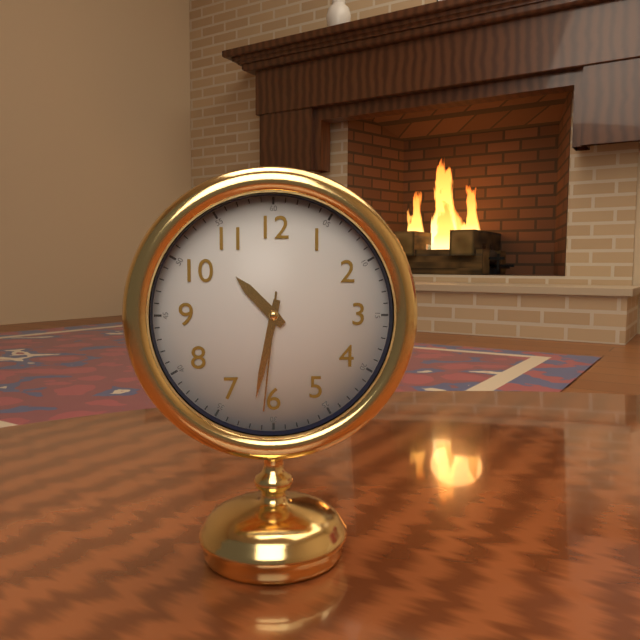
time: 10:32:31
